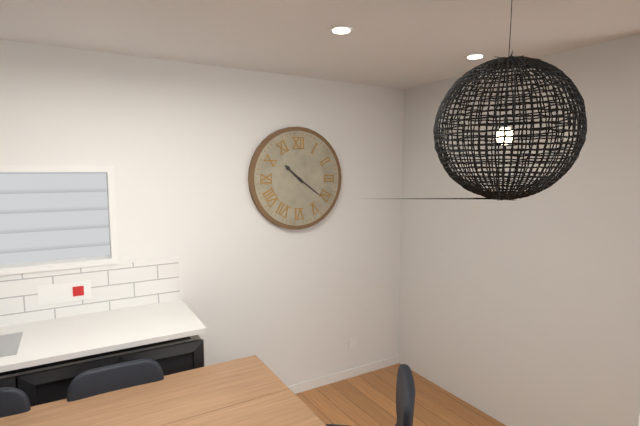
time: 10:21
